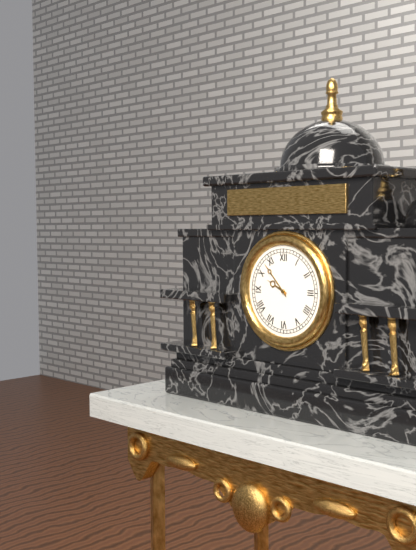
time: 9:53
